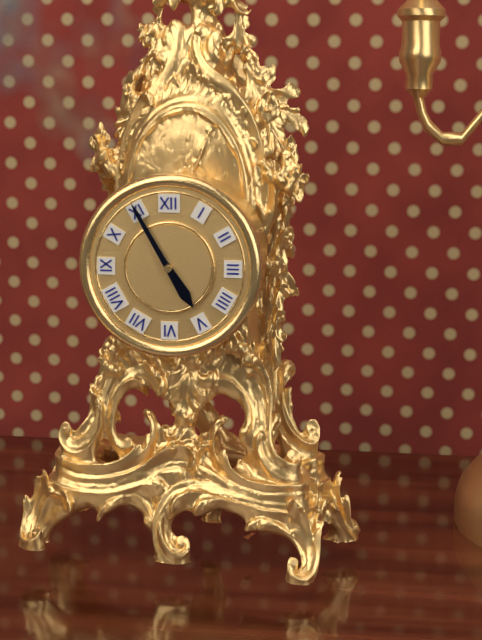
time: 4:55
